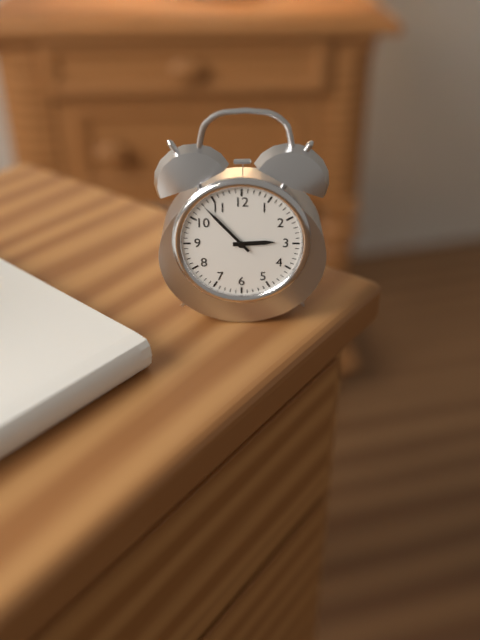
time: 2:53
